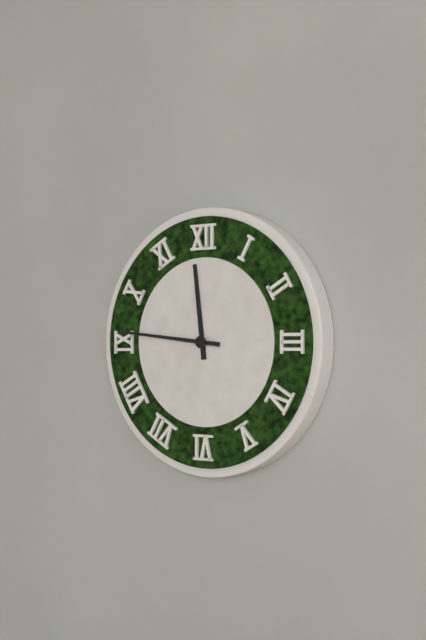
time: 11:46
